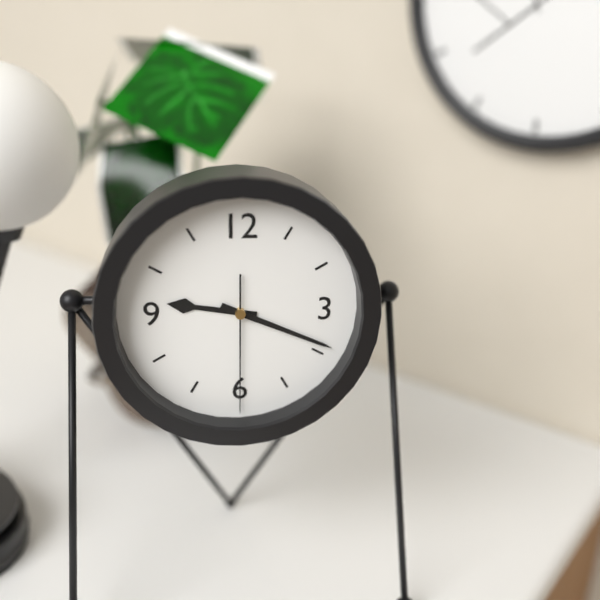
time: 9:19:30
